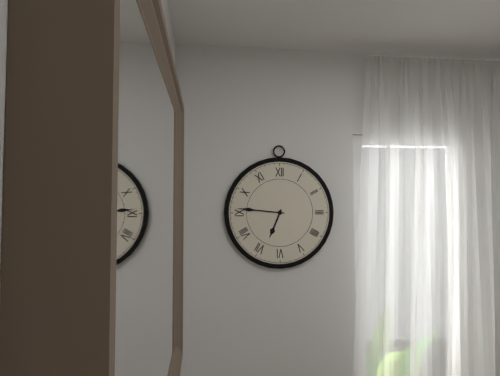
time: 6:46
